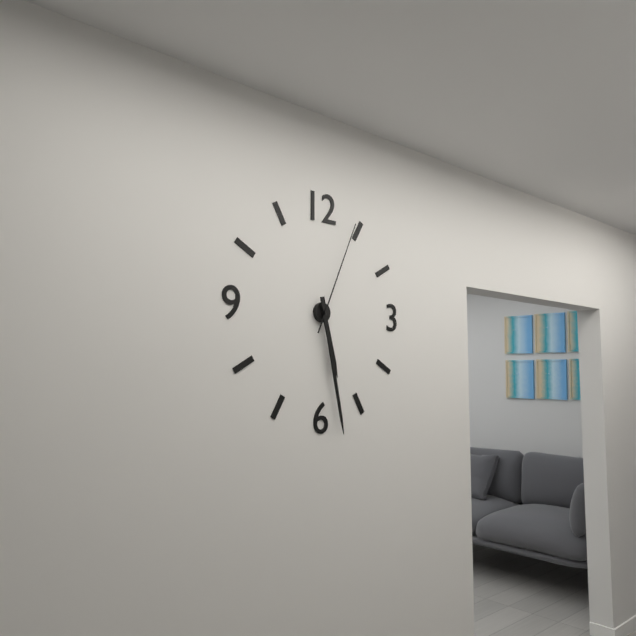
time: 5:28:04
